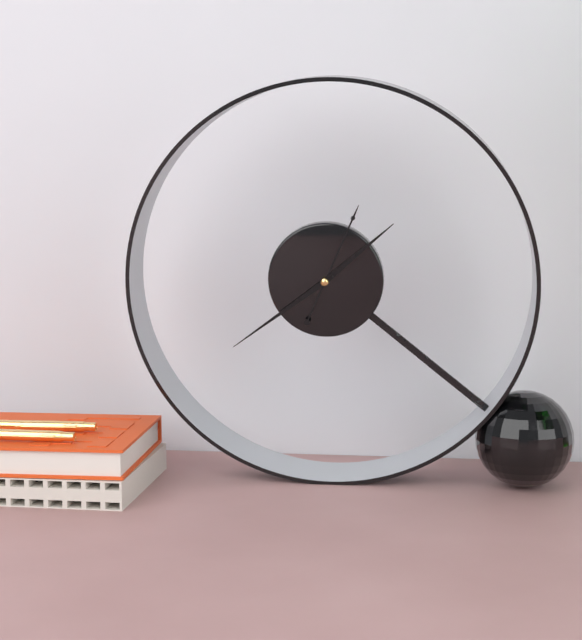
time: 1:39:04
